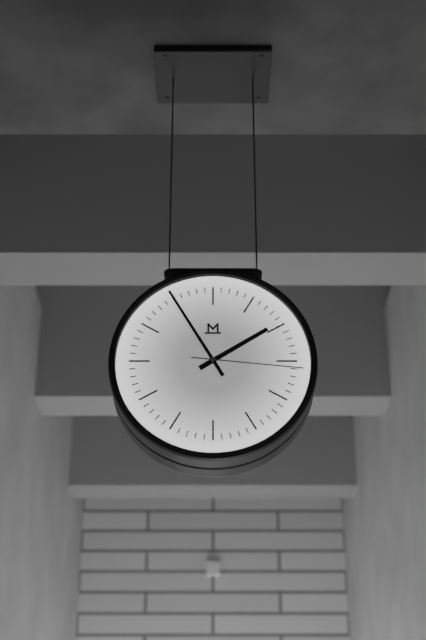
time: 1:55:16
